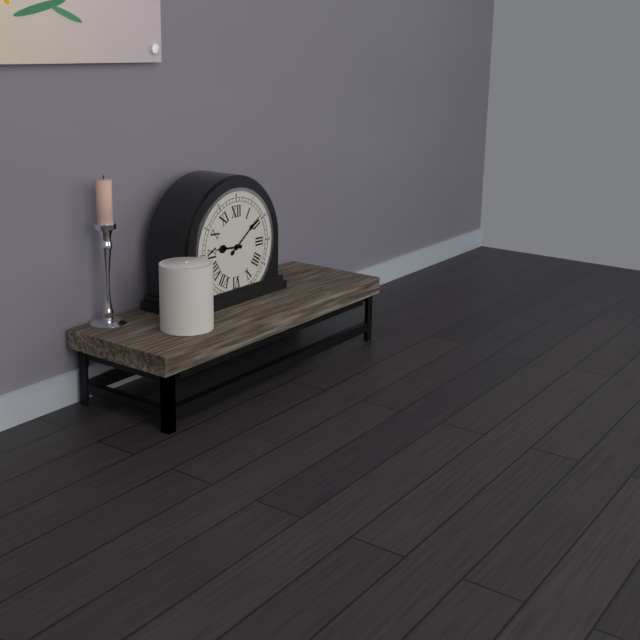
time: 9:09
